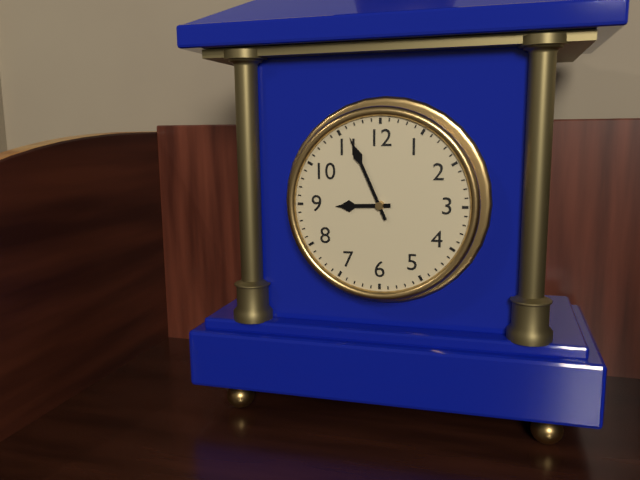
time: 8:56
